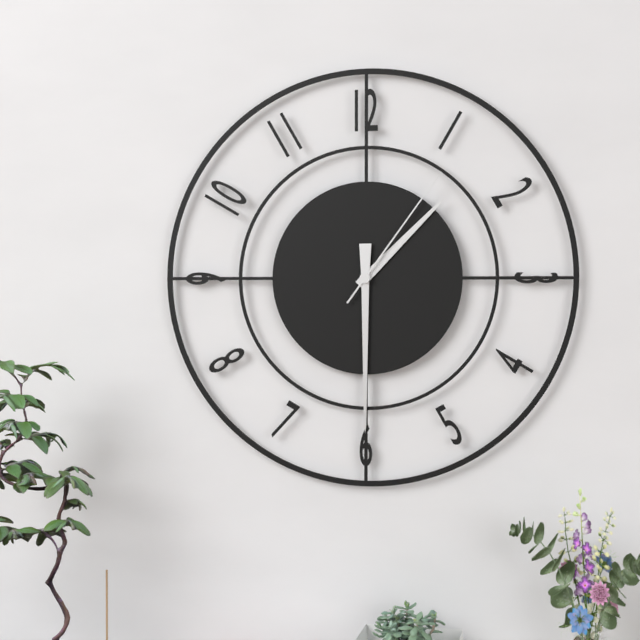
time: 1:30:06
